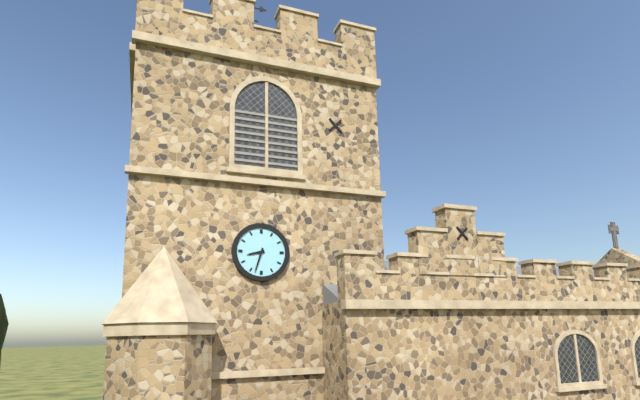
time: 8:33
